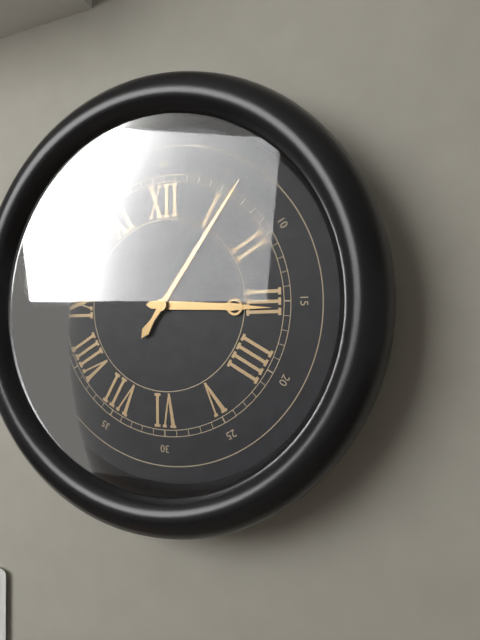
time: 3:06
